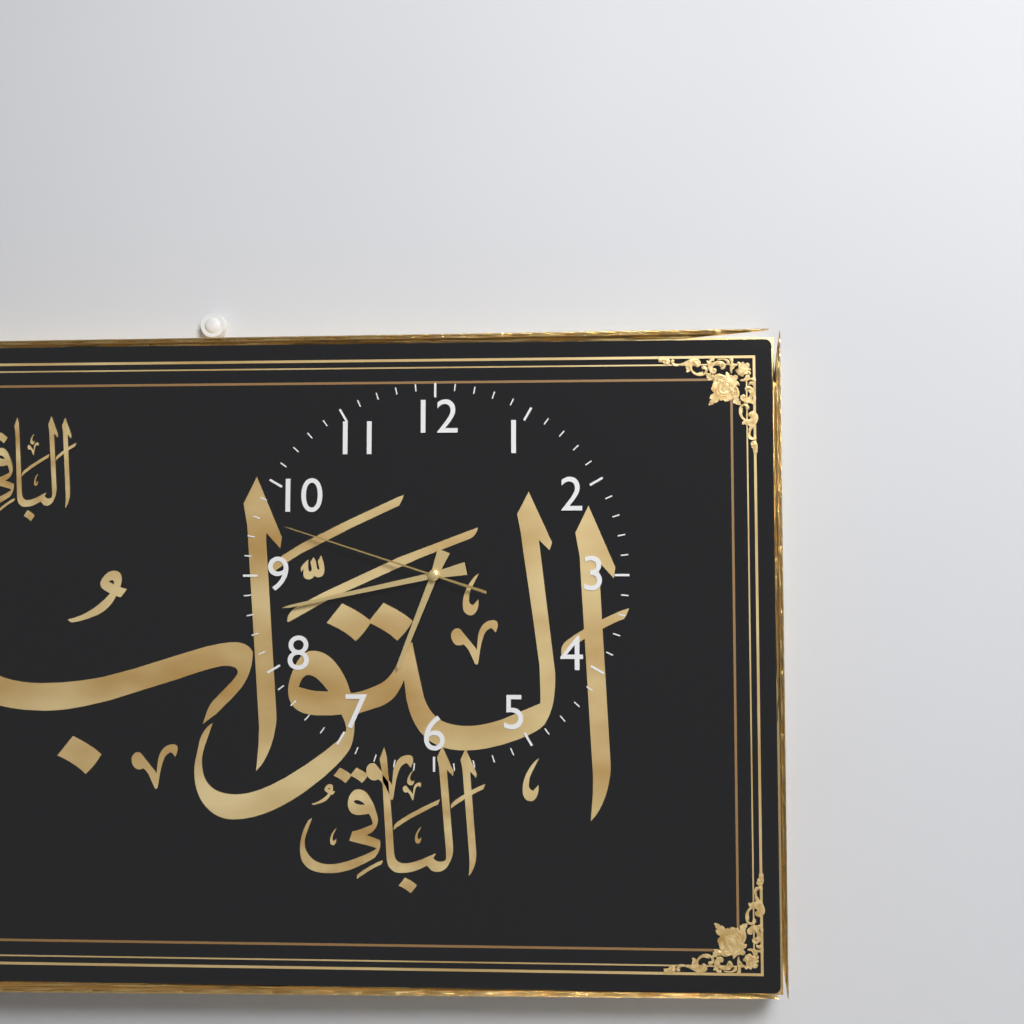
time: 6:43:48
